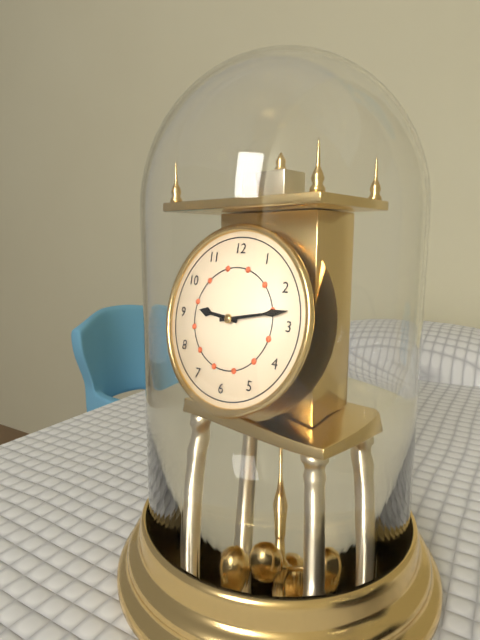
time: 9:13
